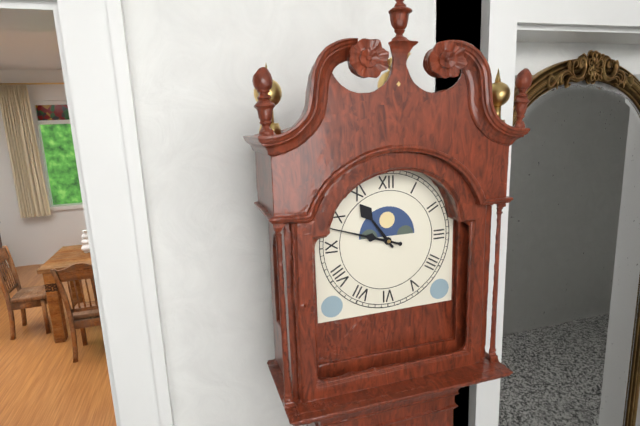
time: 10:48
